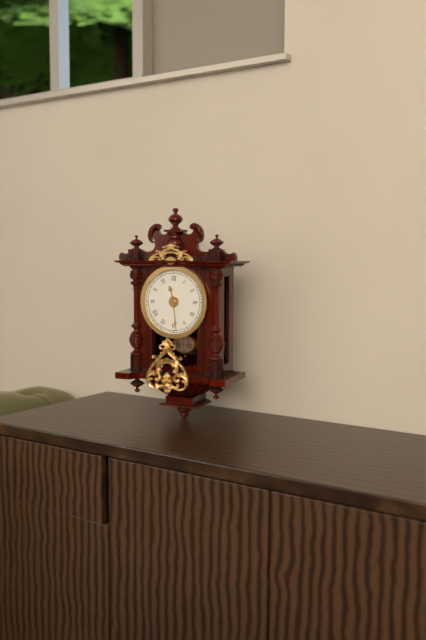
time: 11:29
